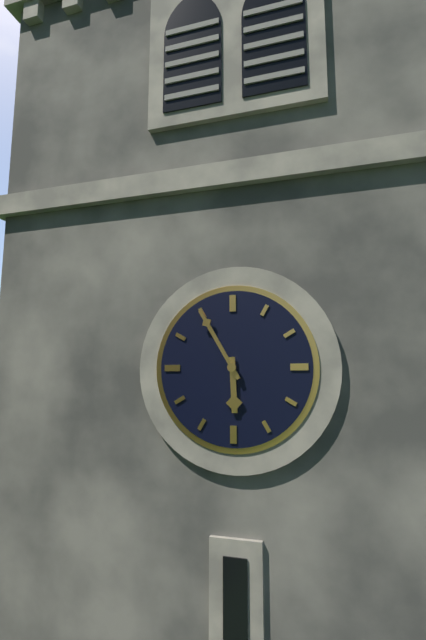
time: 5:55
